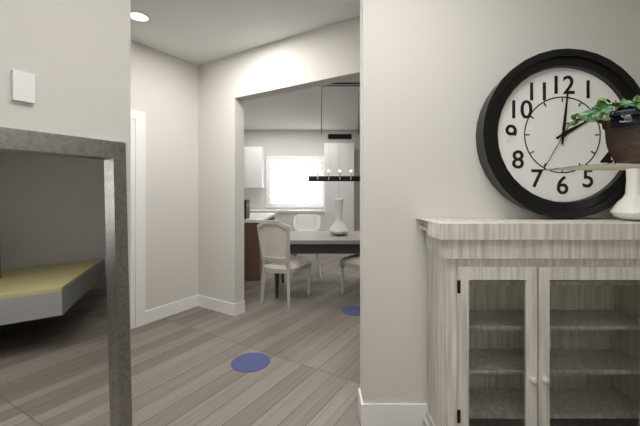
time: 2:01:35
